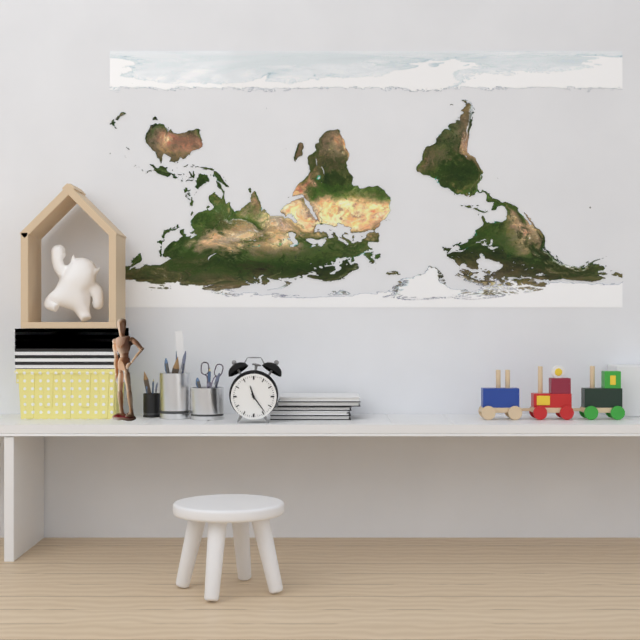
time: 11:24
